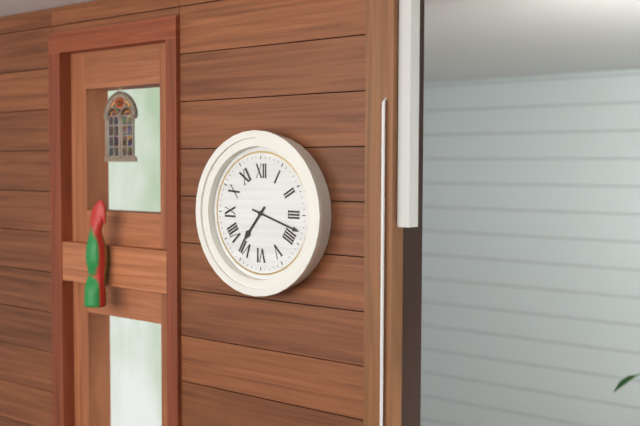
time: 7:18
